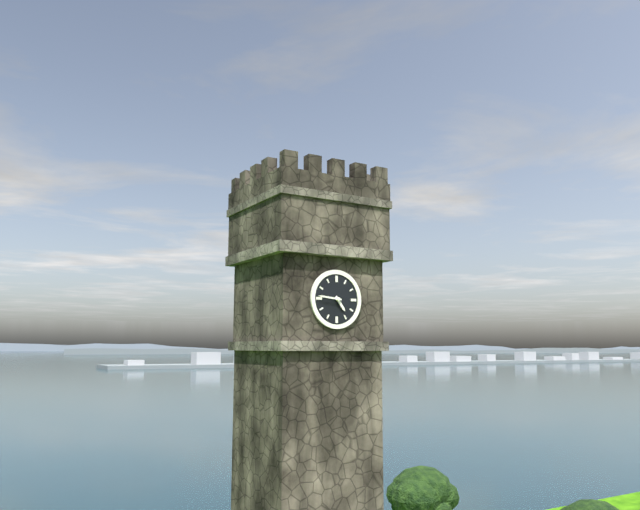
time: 4:46
